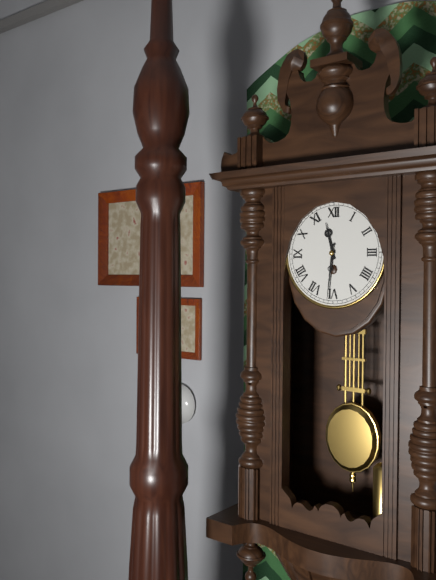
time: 11:31
